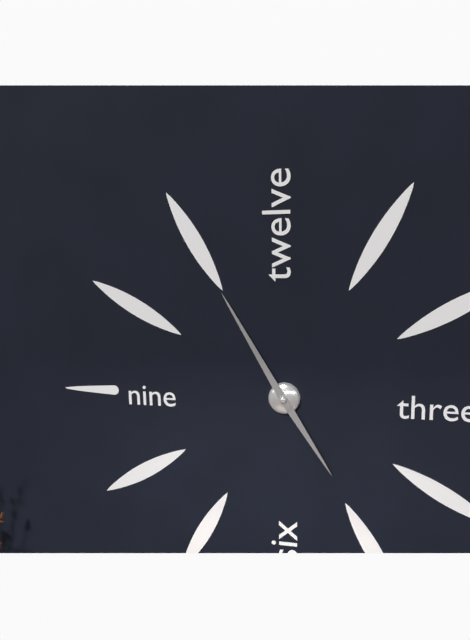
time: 4:55
